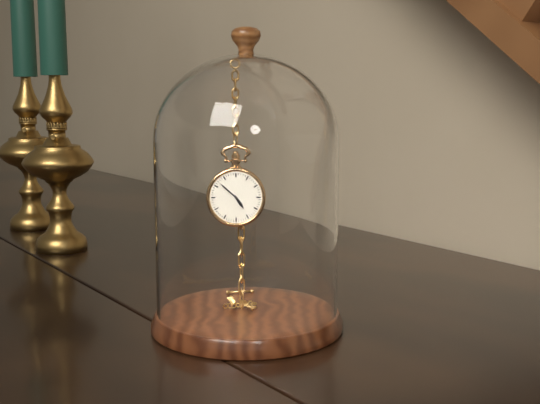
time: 4:52
